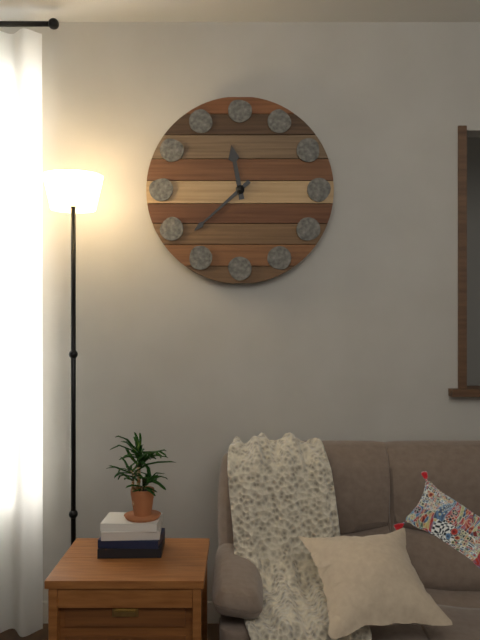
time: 11:38
